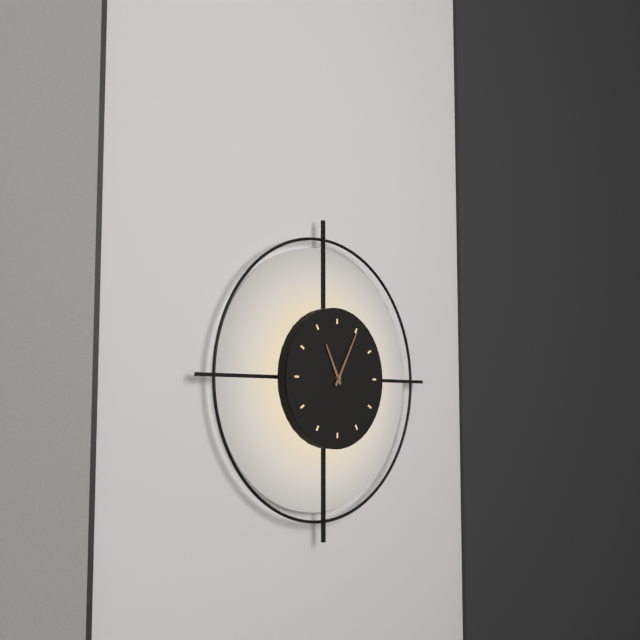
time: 11:05
